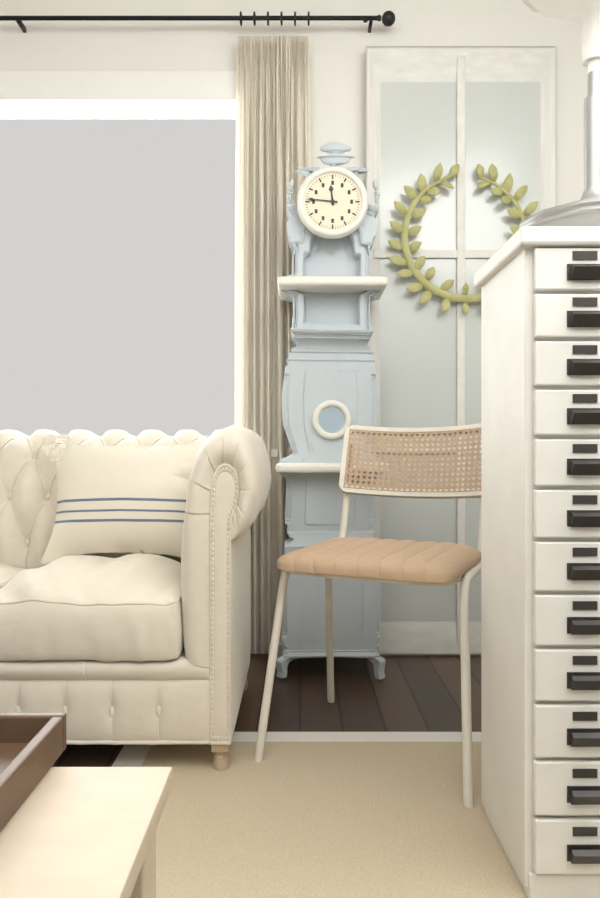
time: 11:46
